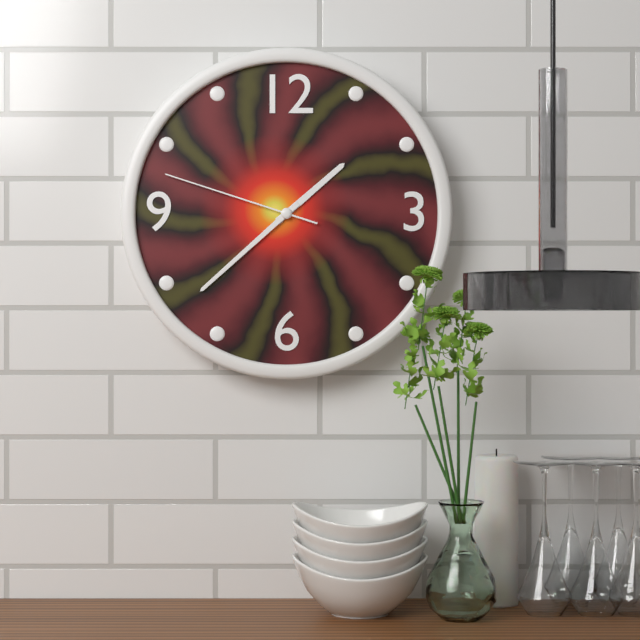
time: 1:38:48
